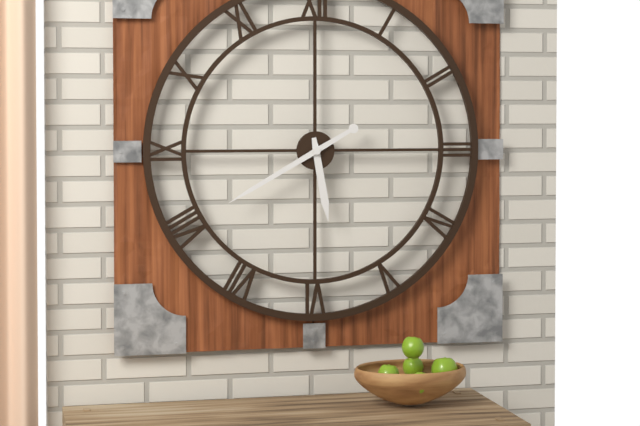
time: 5:40
